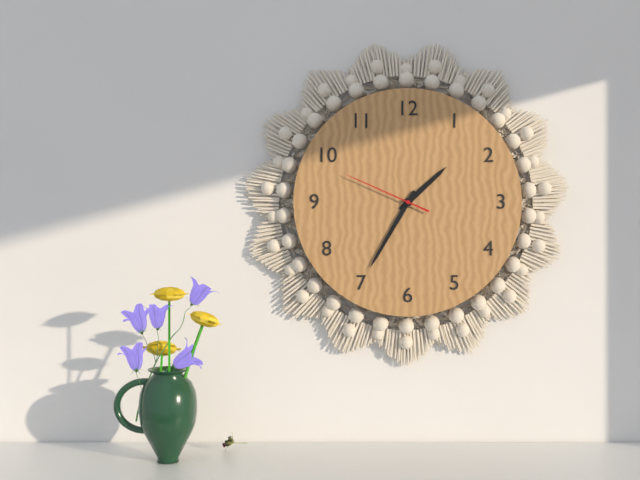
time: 1:35:49
